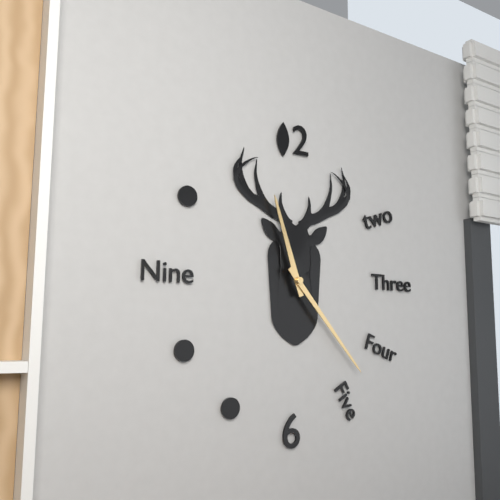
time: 11:23
